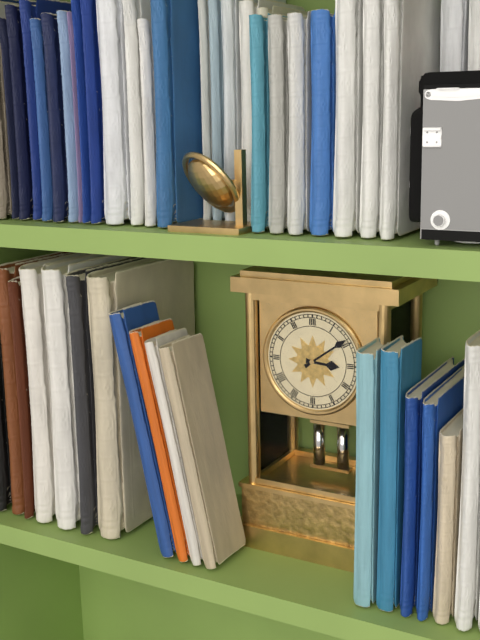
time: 3:09
